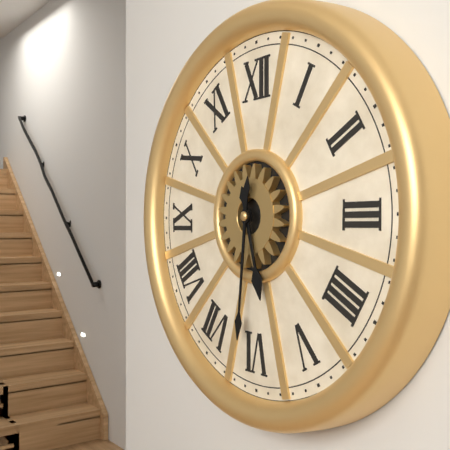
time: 5:31
